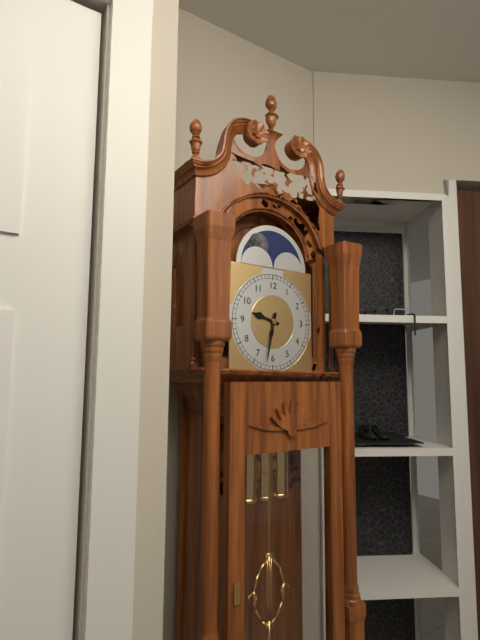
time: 9:32
